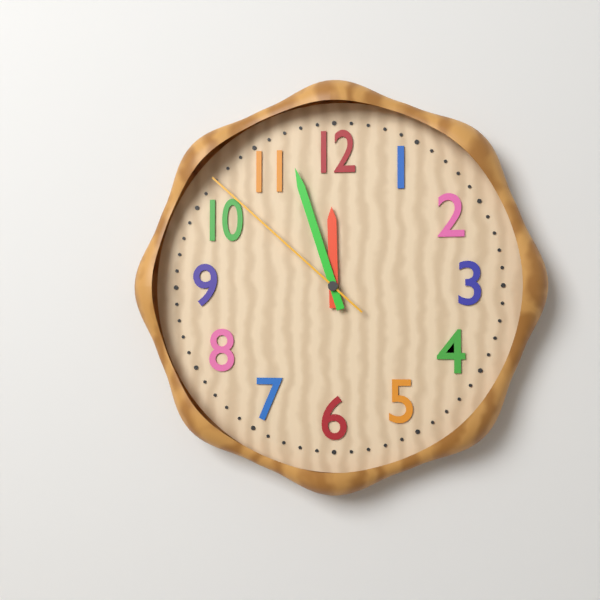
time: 11:57:52
